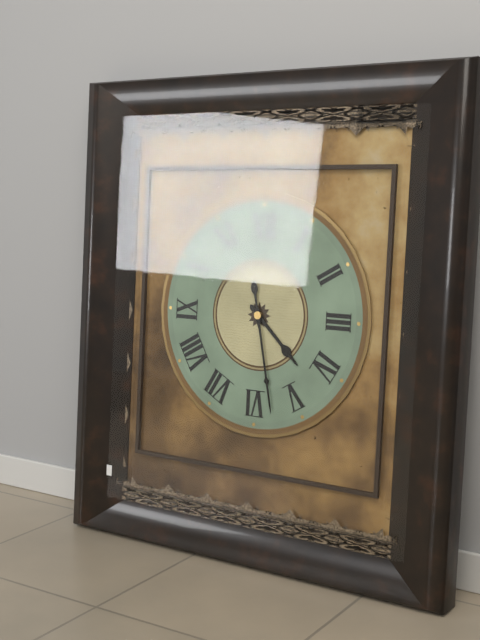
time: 4:28
